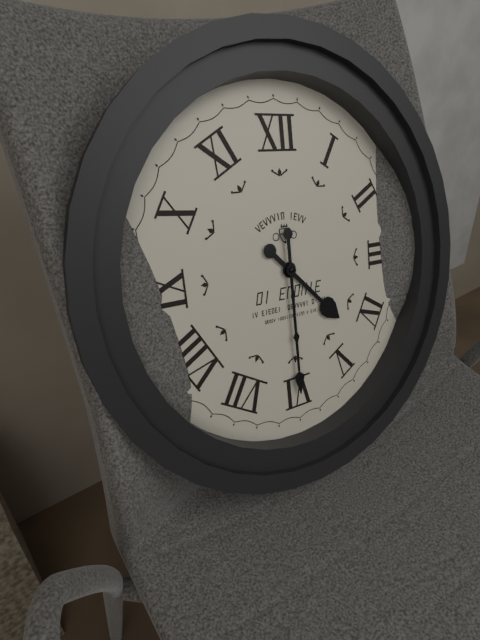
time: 4:30
